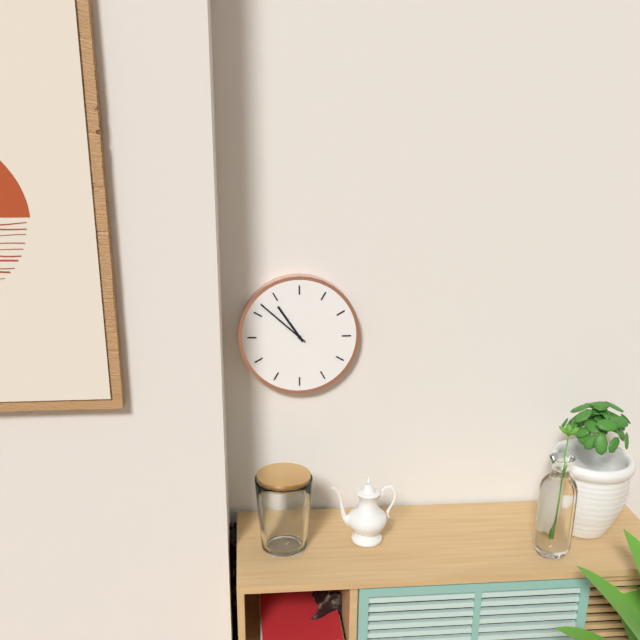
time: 10:52
